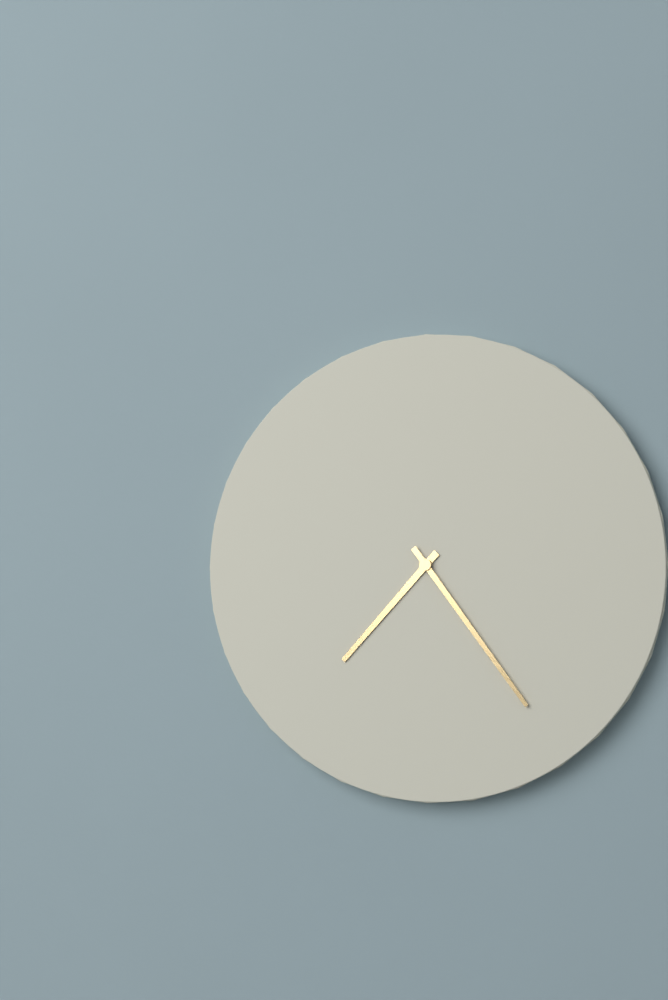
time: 7:24
